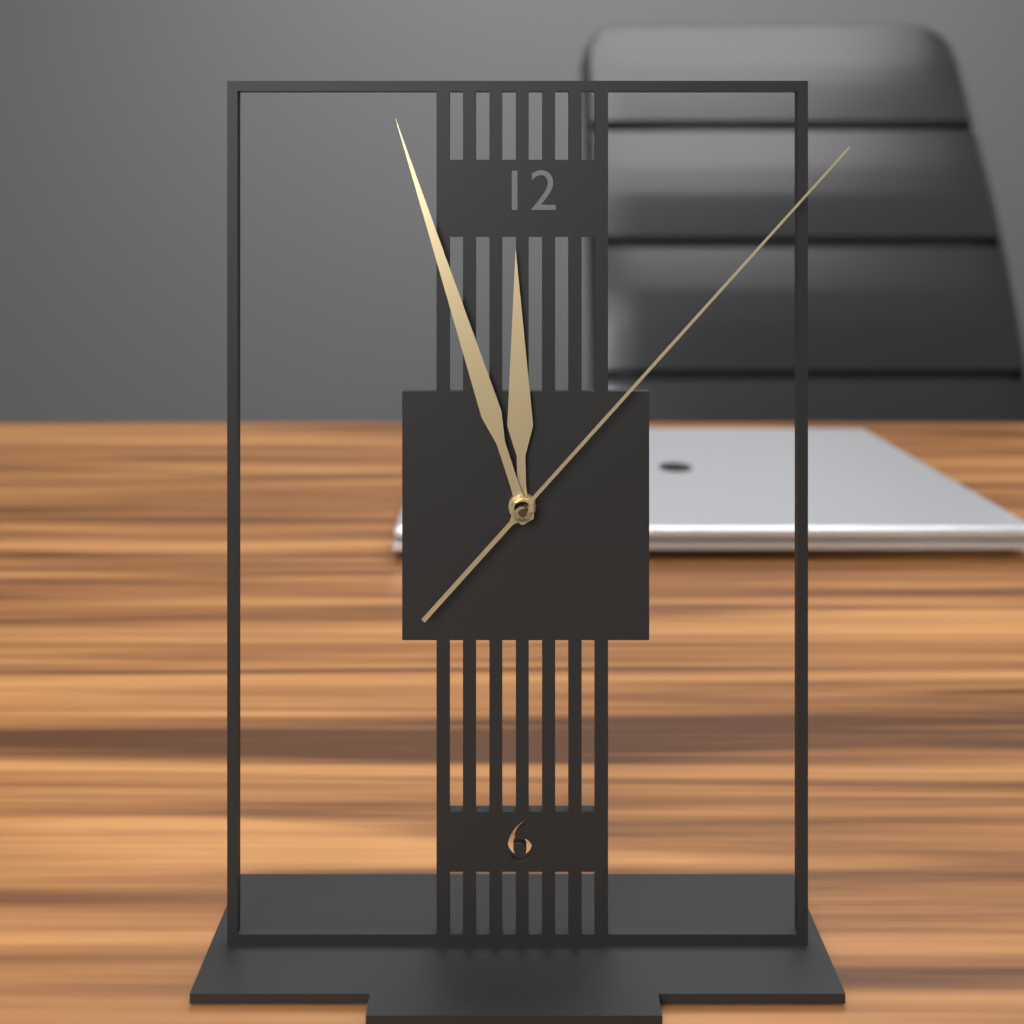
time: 11:57:07
